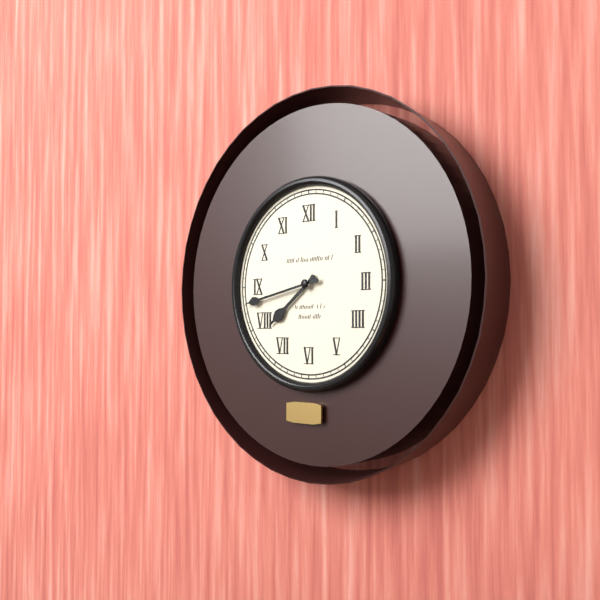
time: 7:43
